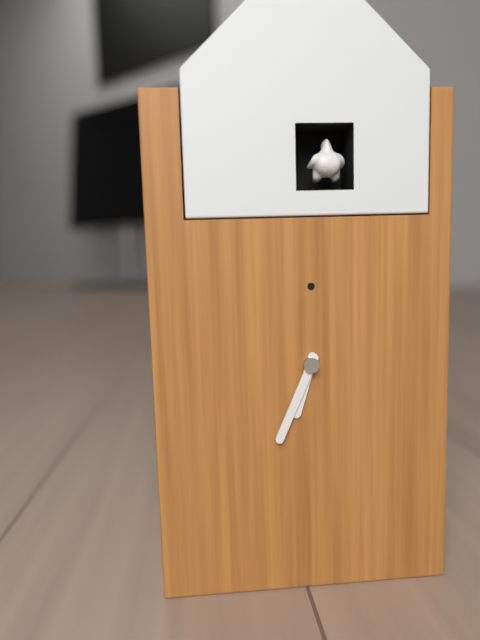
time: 6:34
